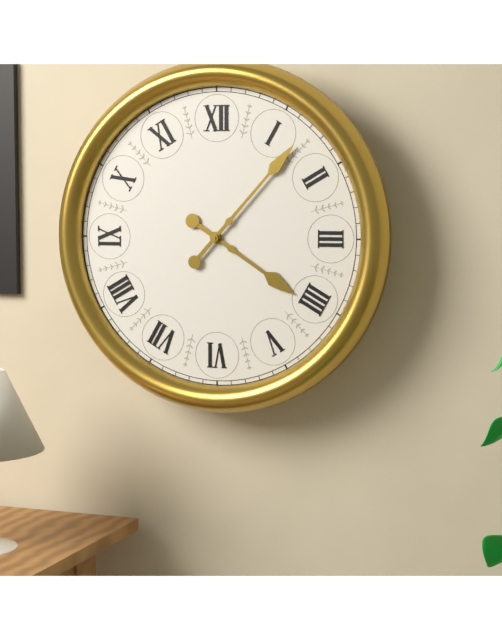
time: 4:07
